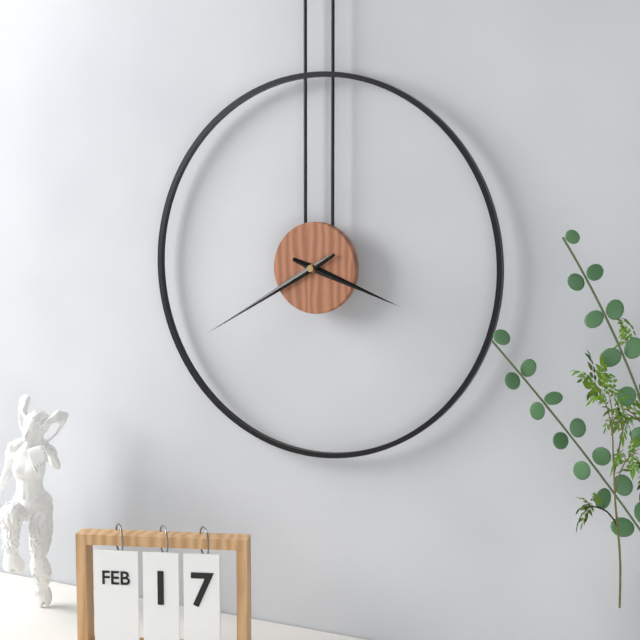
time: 3:40
